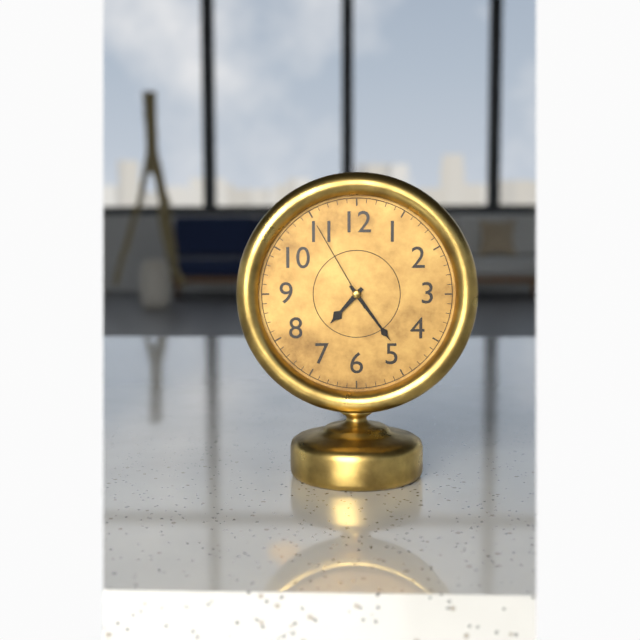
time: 7:24:55
